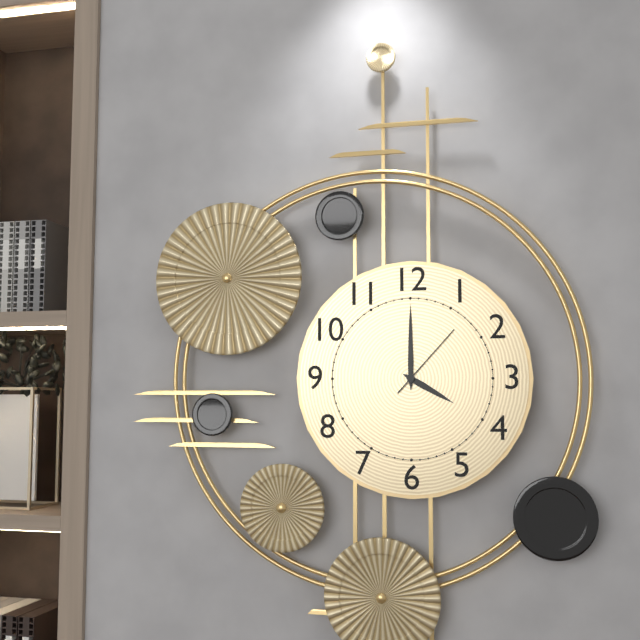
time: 4:00:07
